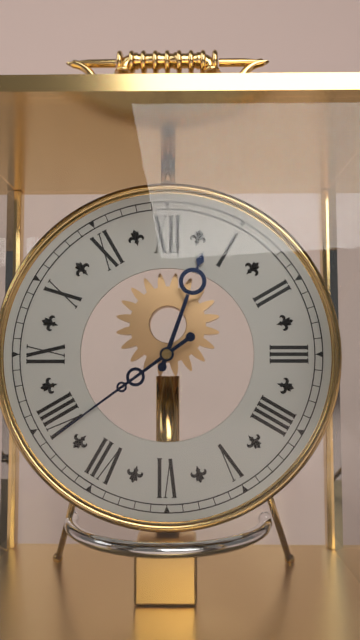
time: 12:39
